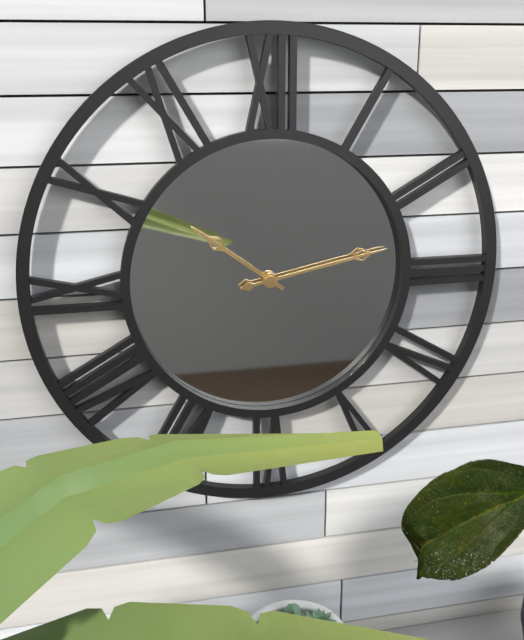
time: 10:13
